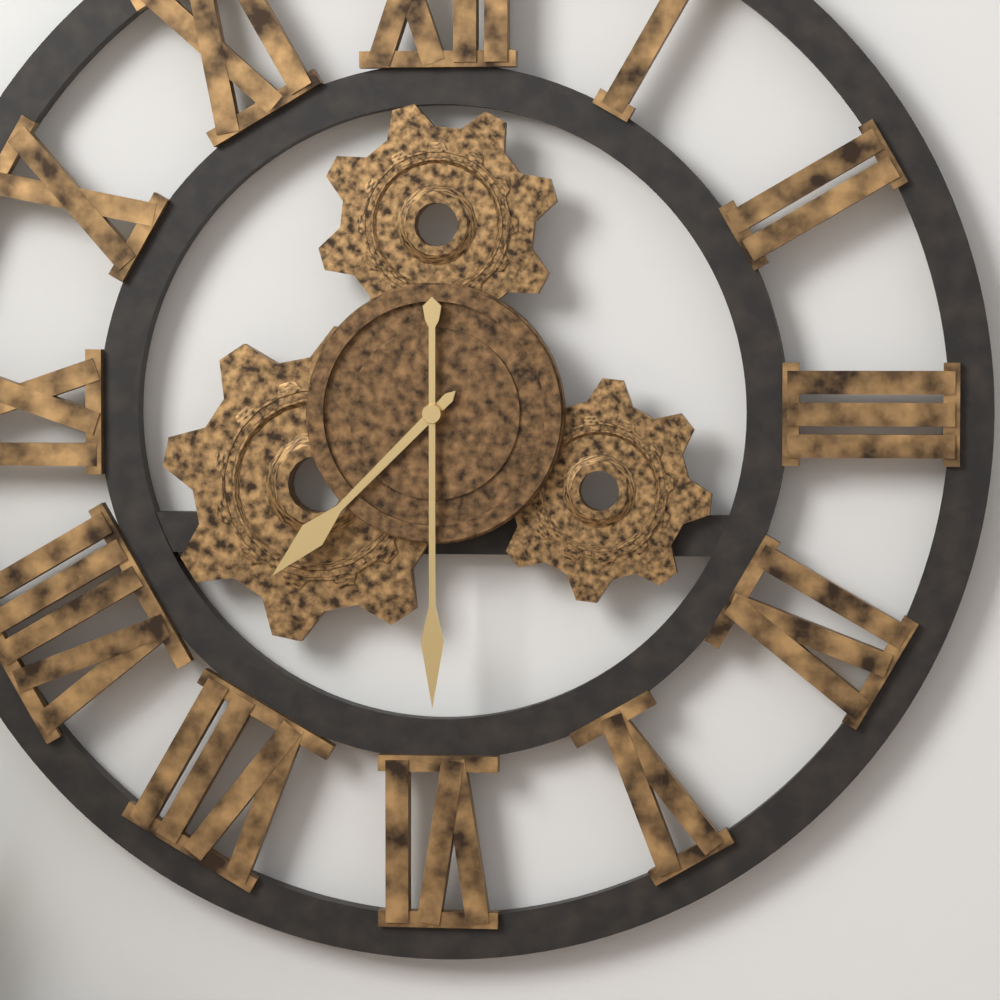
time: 7:30
